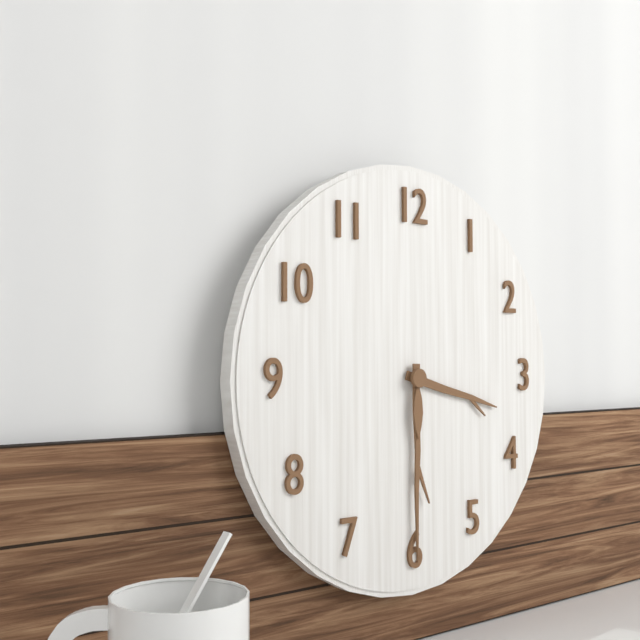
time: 3:30:30
